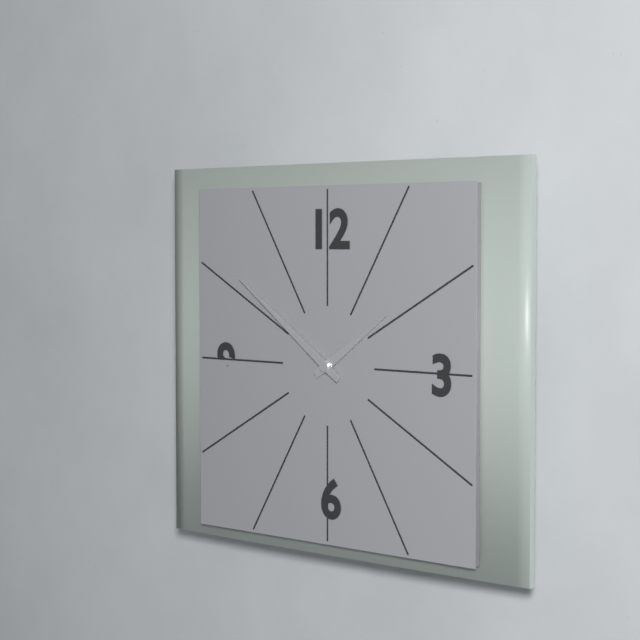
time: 1:51
